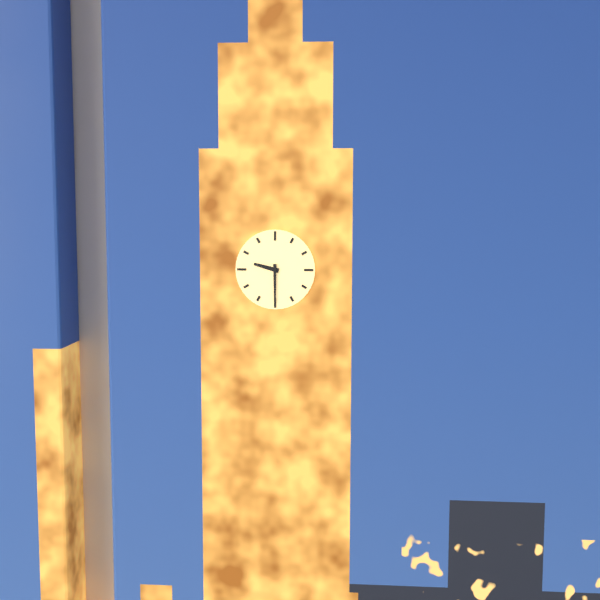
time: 9:30
